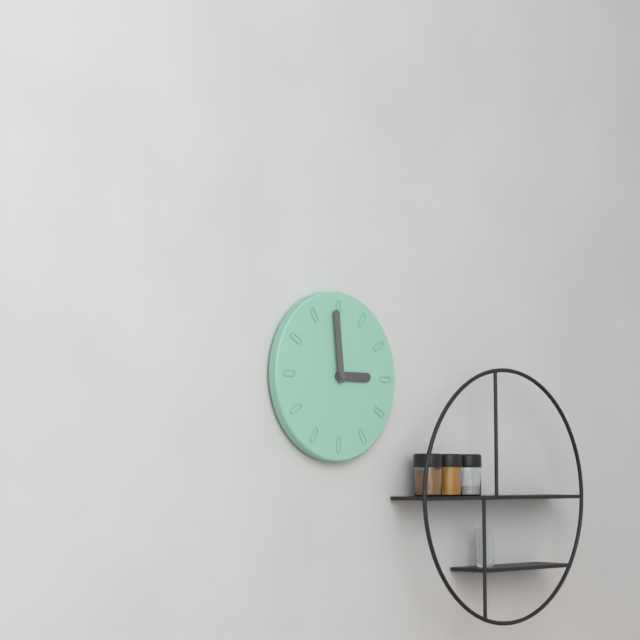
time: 2:59
